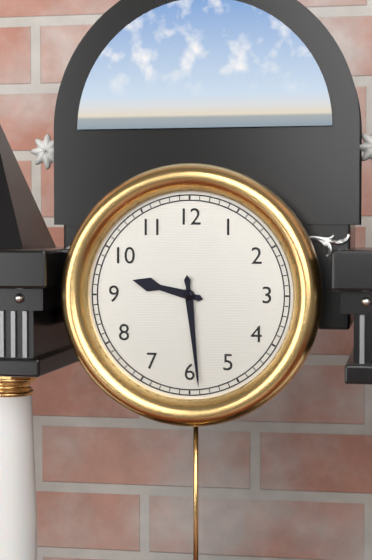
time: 9:29
